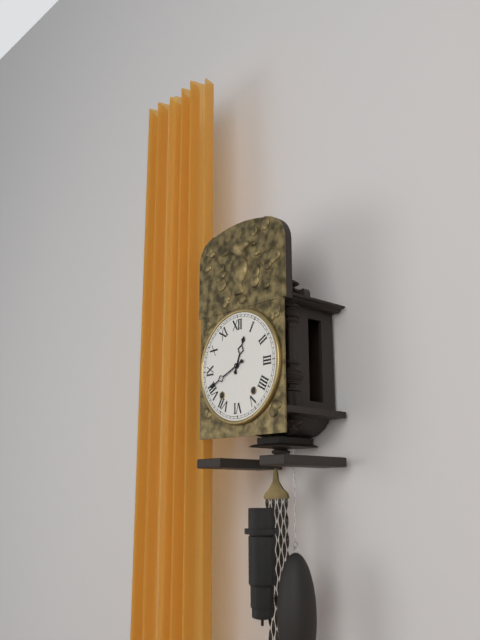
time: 12:41
